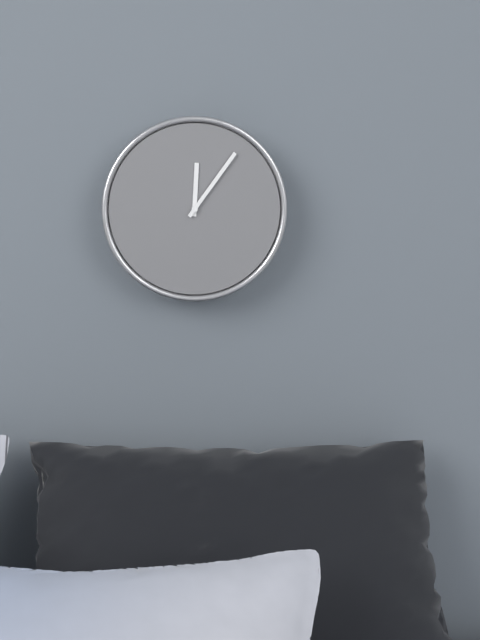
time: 12:06
